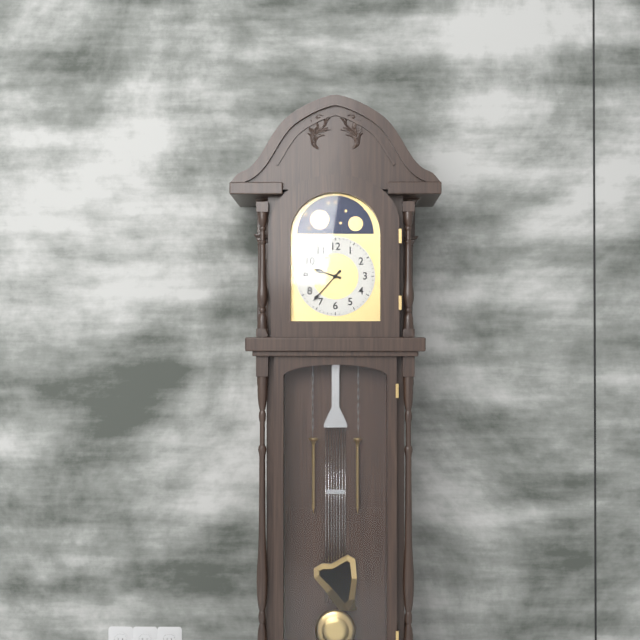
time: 9:37
